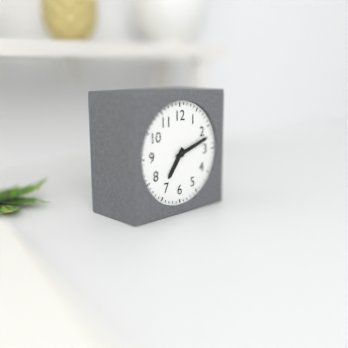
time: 7:12
